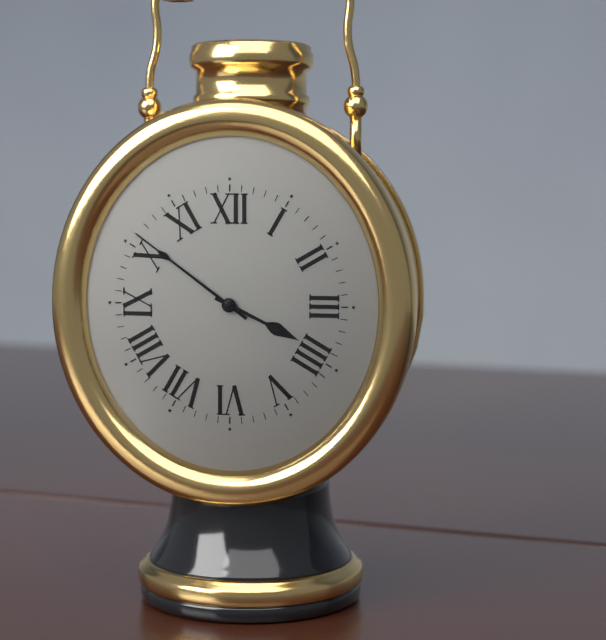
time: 3:51
